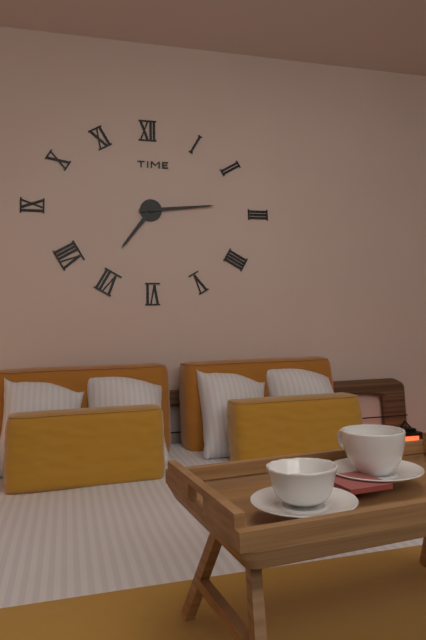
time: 7:14
